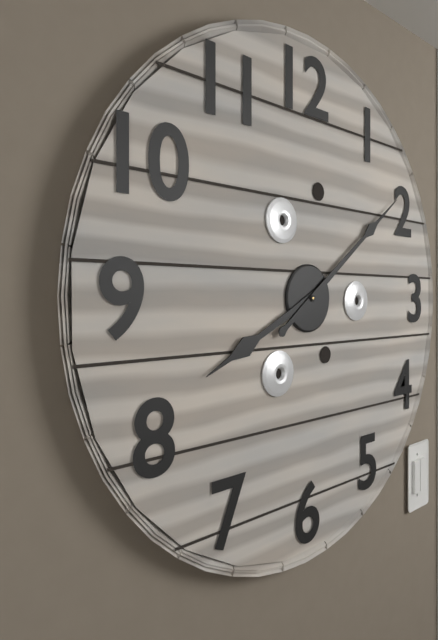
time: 8:09
